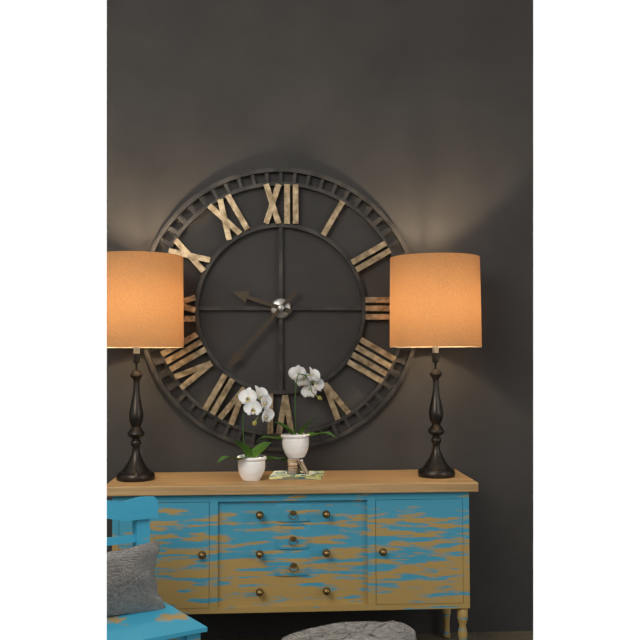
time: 9:37
